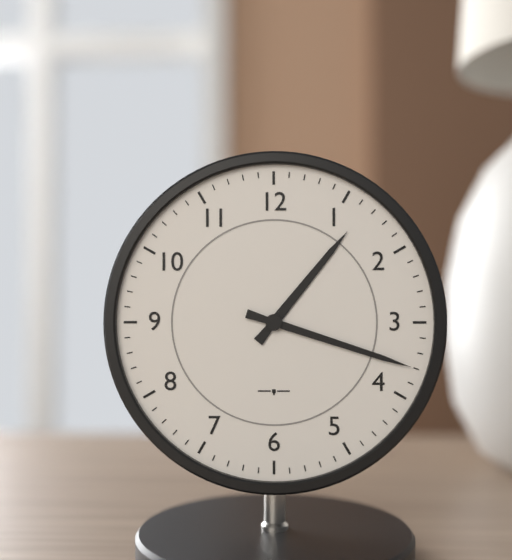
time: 1:18
